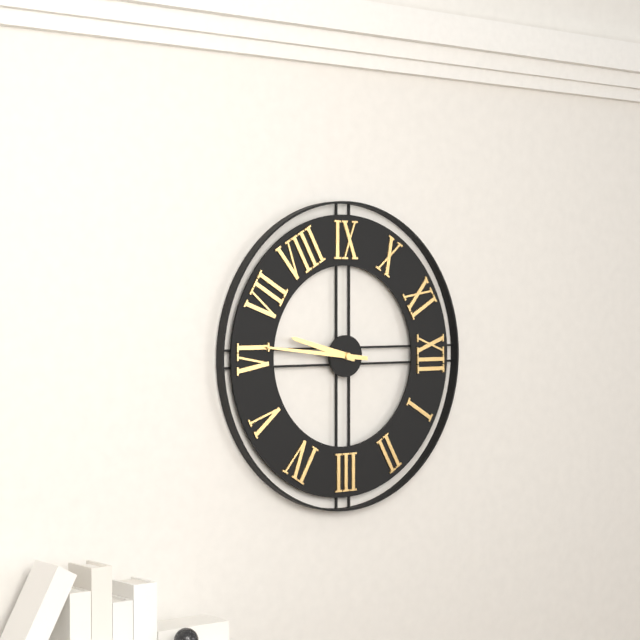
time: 6:31
